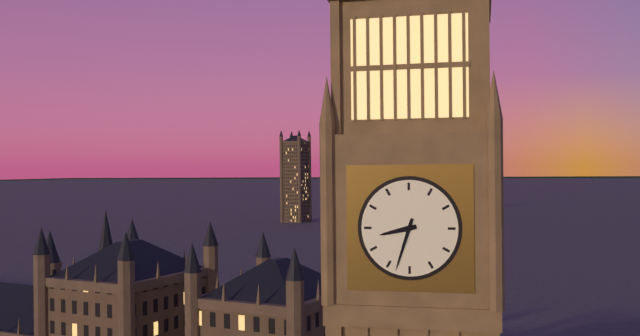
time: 8:33
